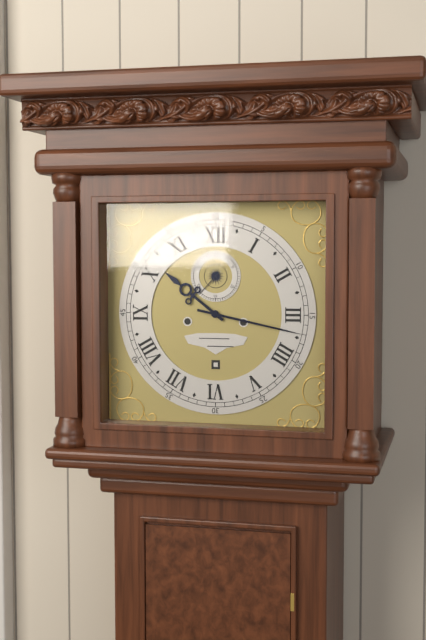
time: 10:17
